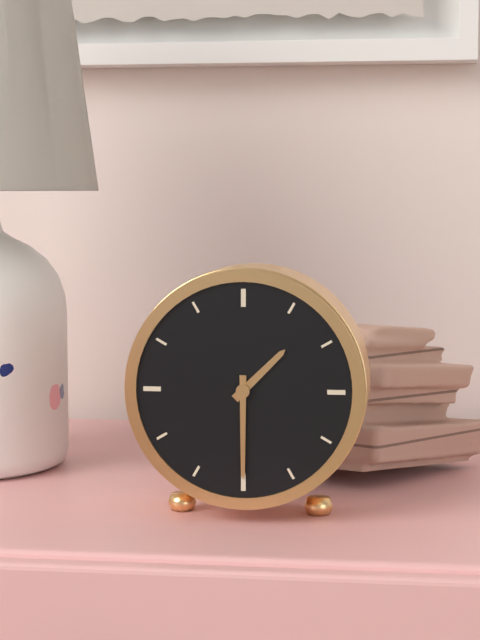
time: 1:30
